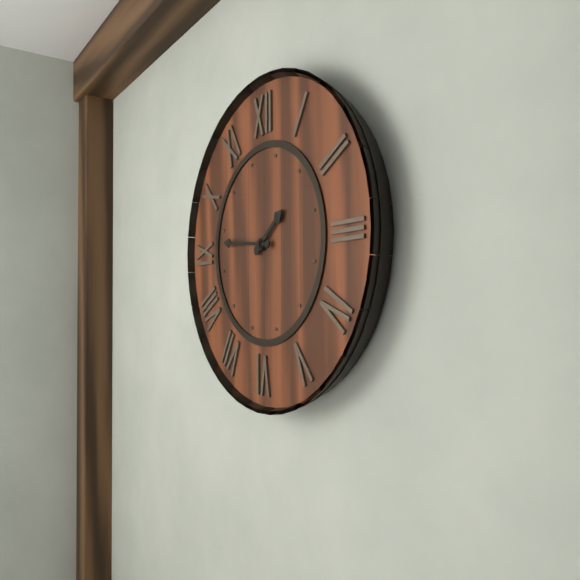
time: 1:46
